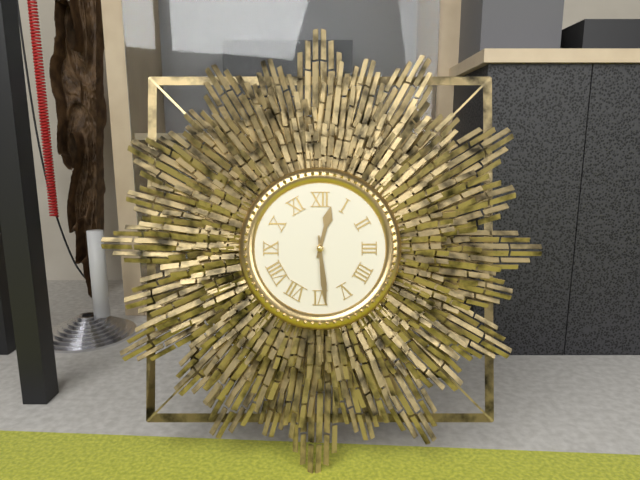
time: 12:29
